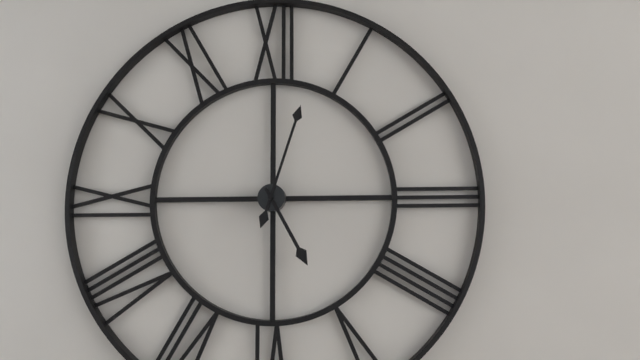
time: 5:03
